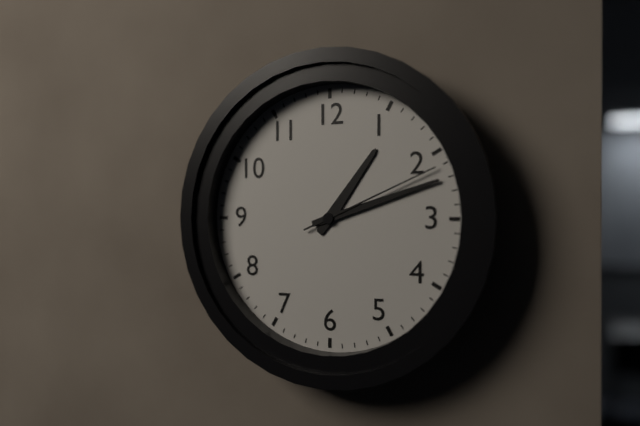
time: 1:12:11
